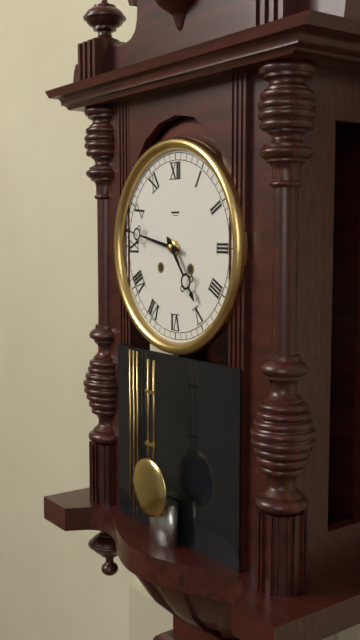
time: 4:47
